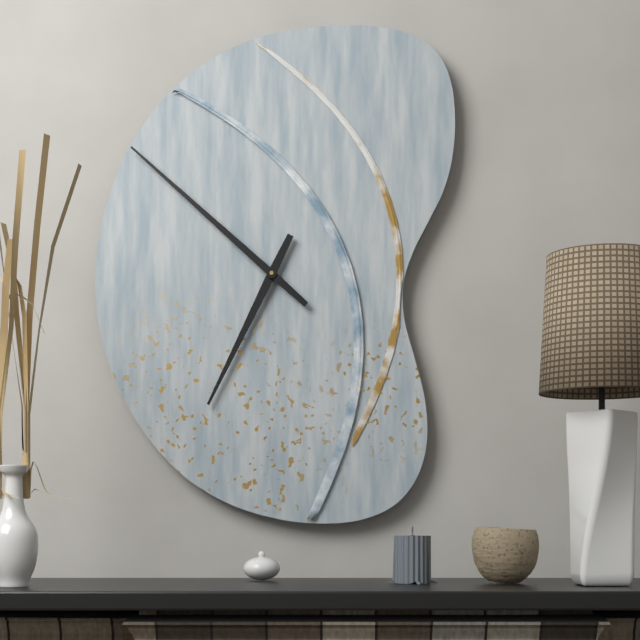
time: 6:52
